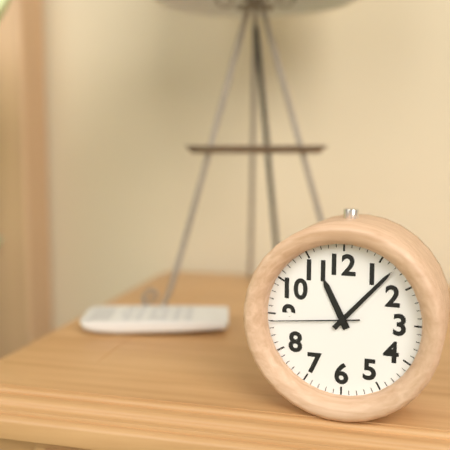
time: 11:07:44
